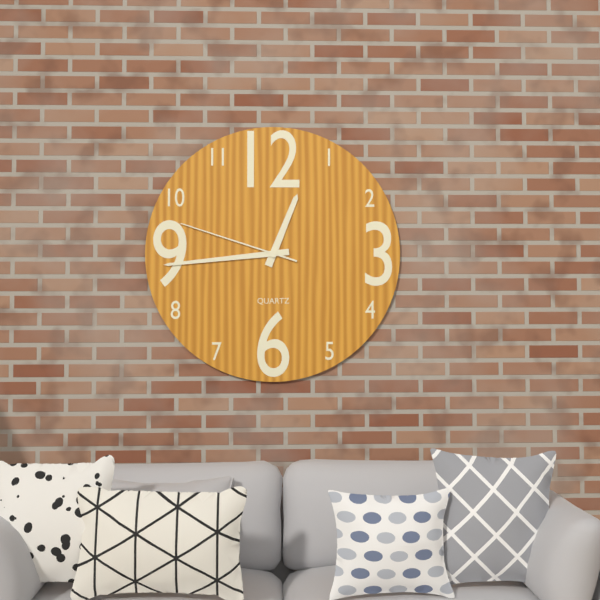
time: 12:44:48
